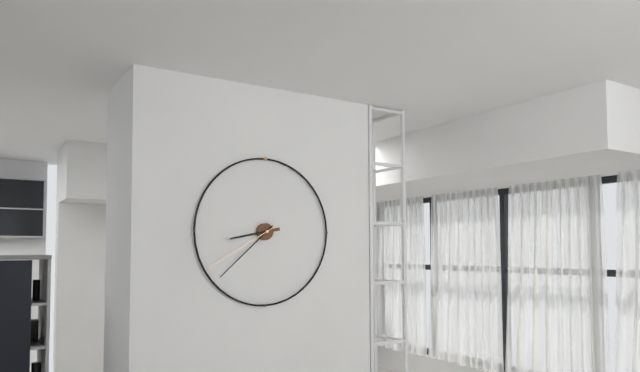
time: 8:38:40
